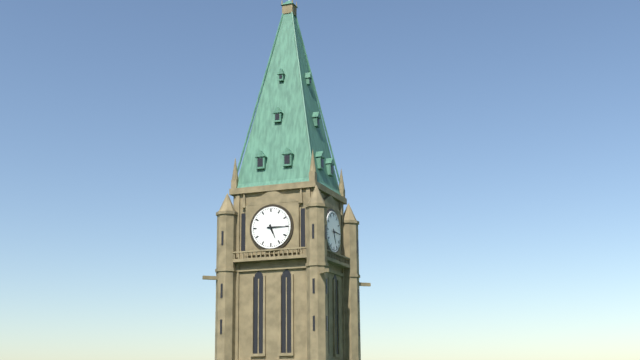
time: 5:15
